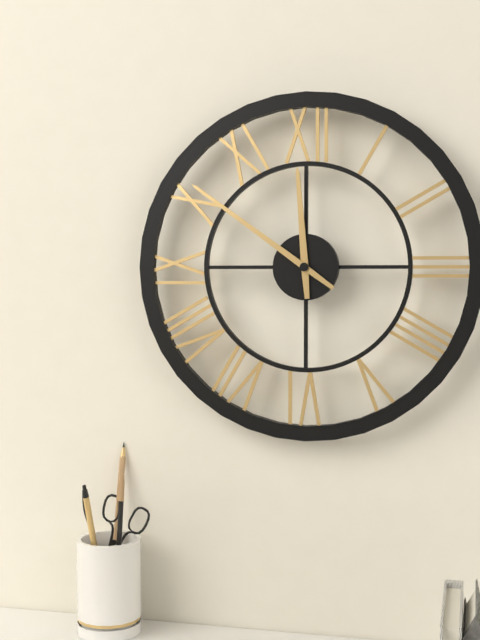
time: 11:51
